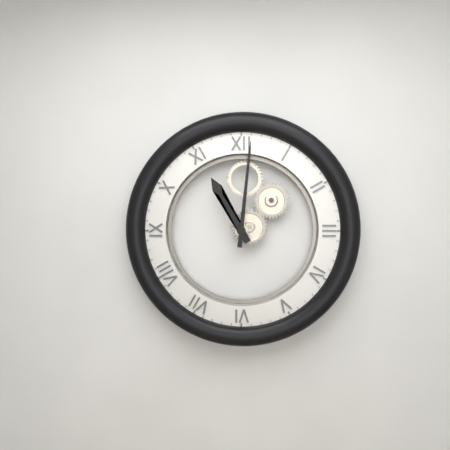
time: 11:01
